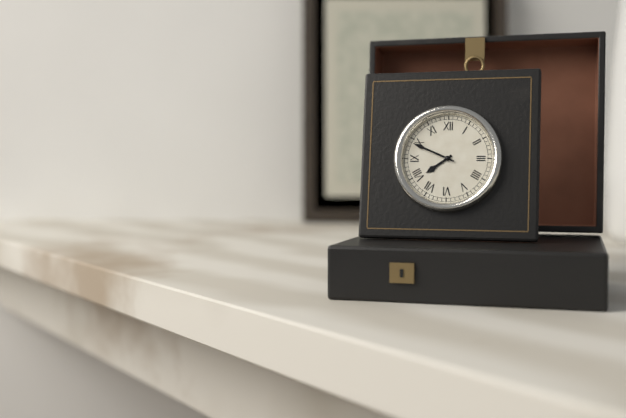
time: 7:49
